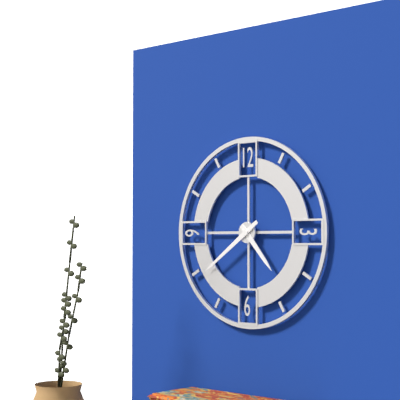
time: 4:39
